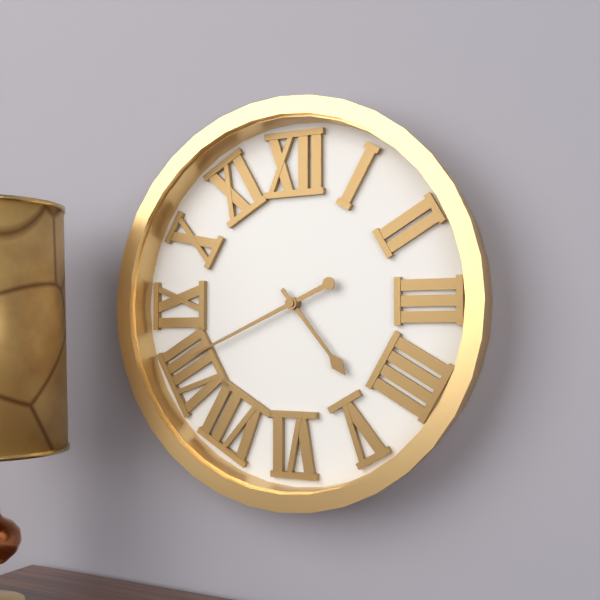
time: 4:41
